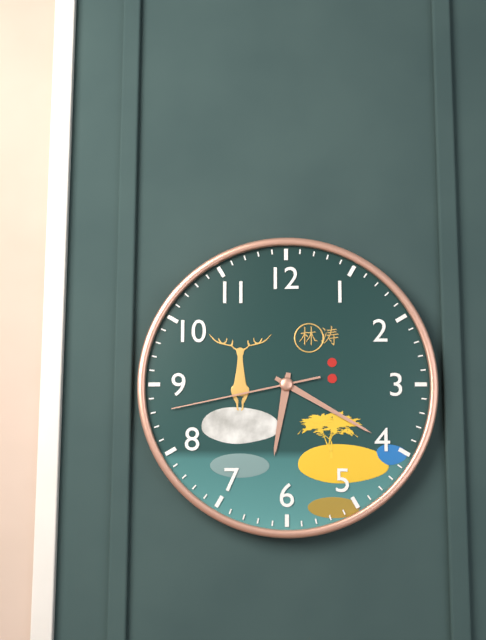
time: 6:20:43
